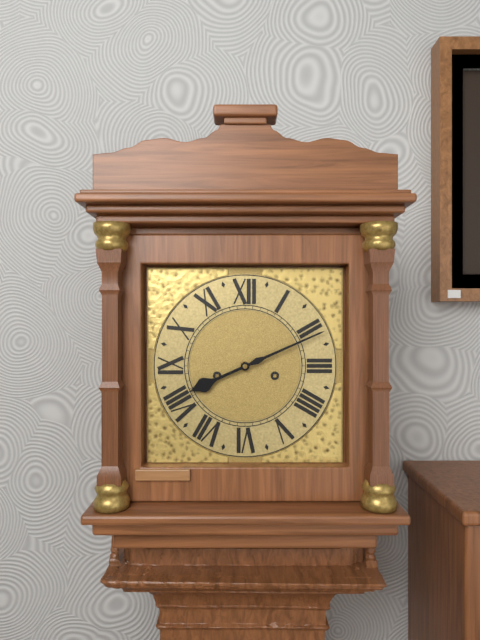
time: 8:11
